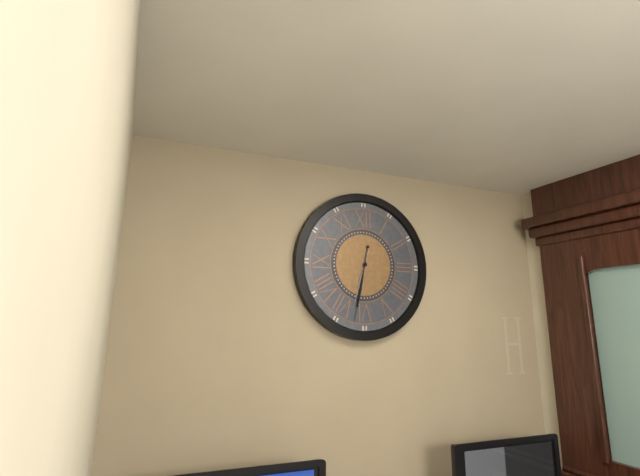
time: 6:32
